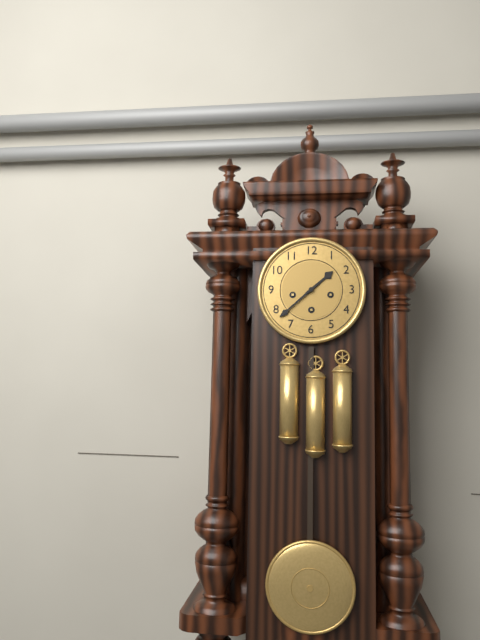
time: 1:38
